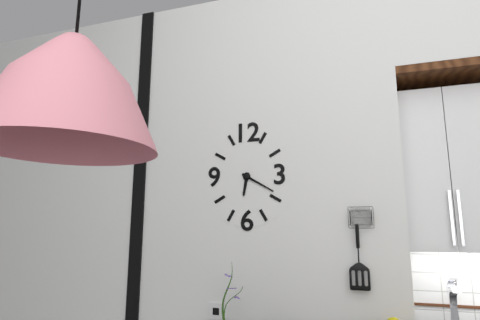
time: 6:20
